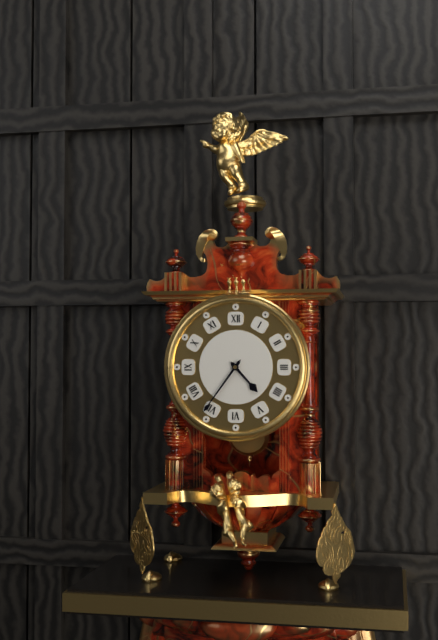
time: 4:36
